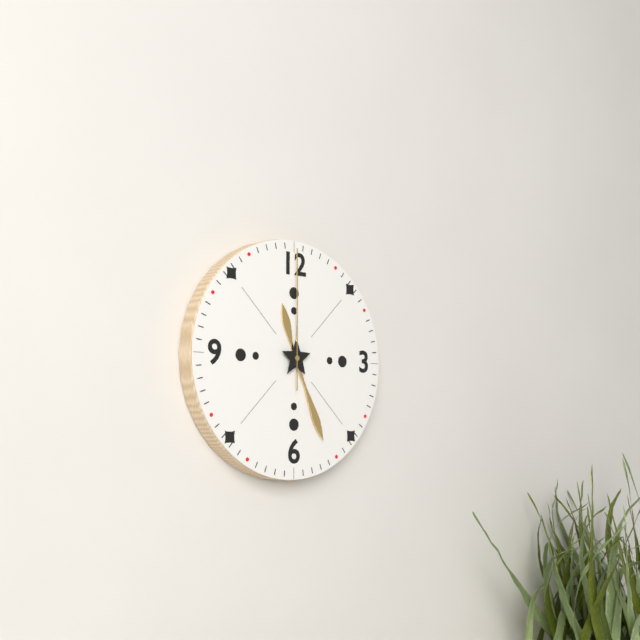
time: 11:26:00
